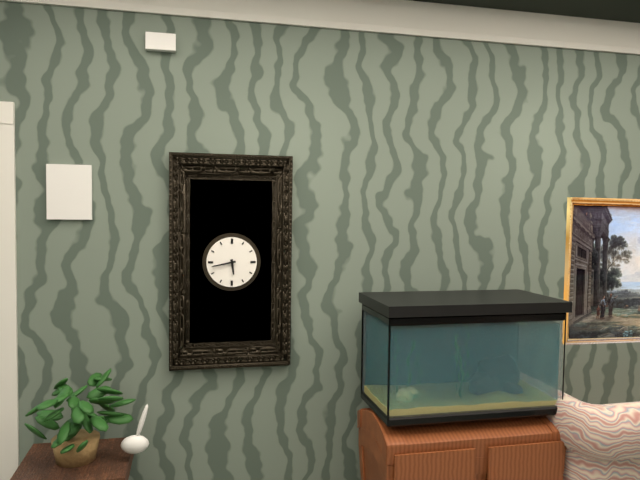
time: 5:43
